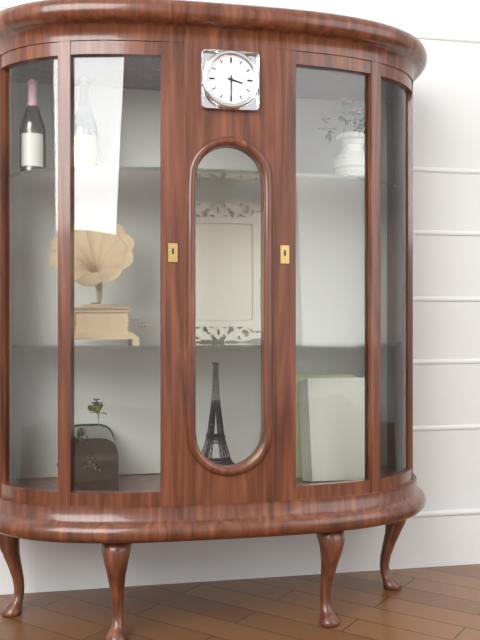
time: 3:30
